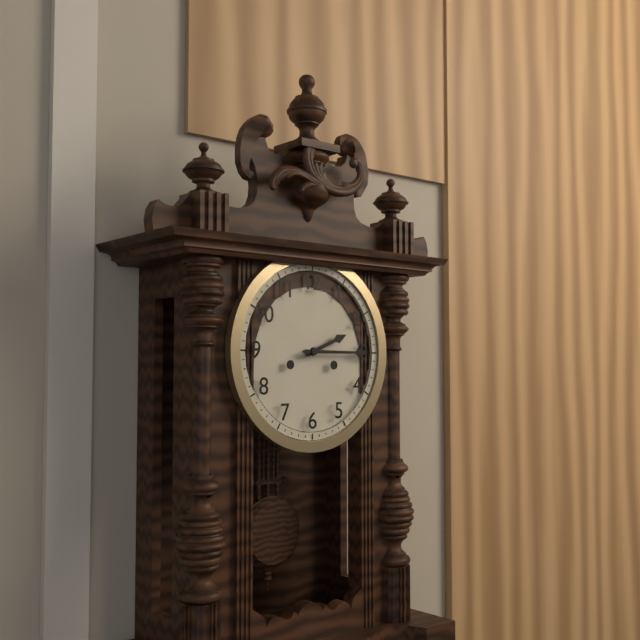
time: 2:15
